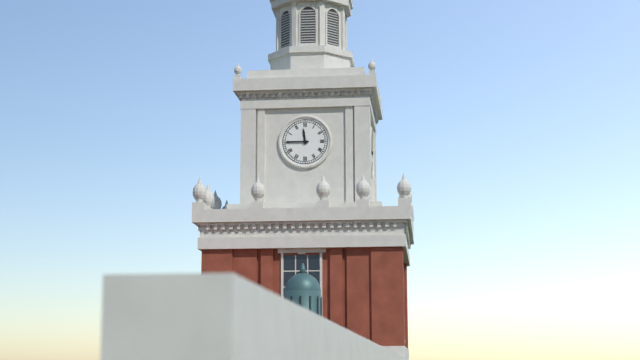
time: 11:45
